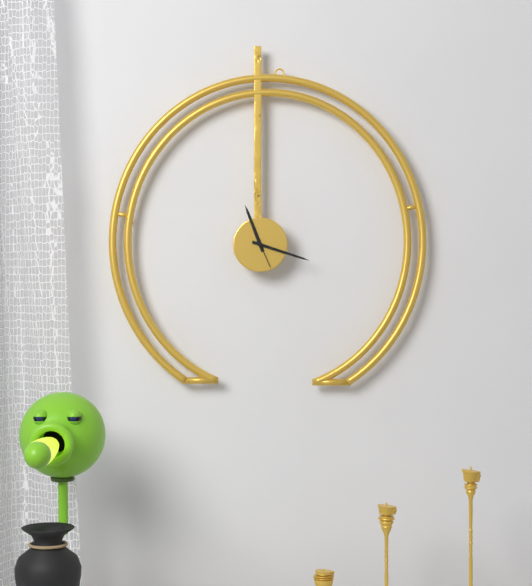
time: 11:18
